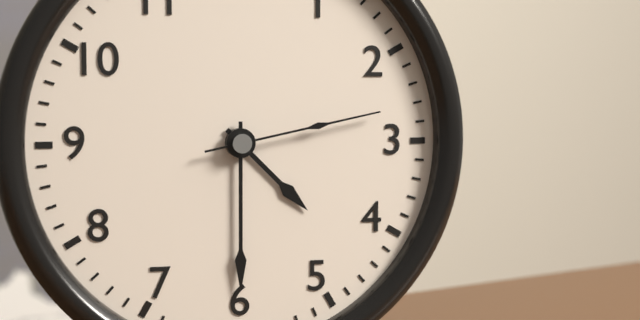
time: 4:30:13
